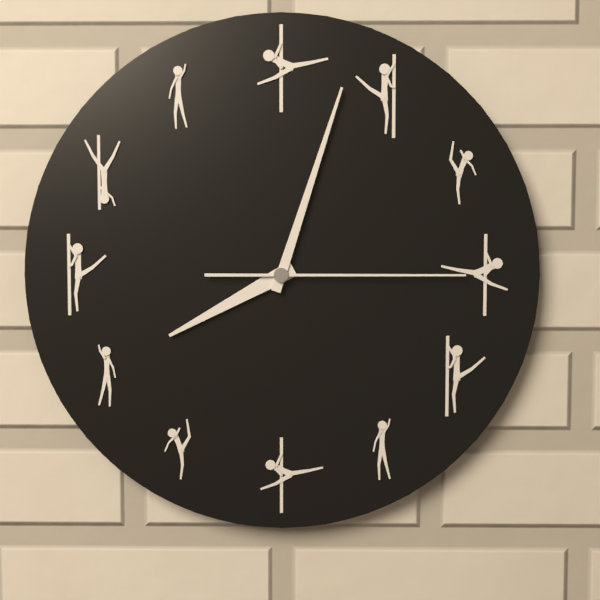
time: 8:03:15
